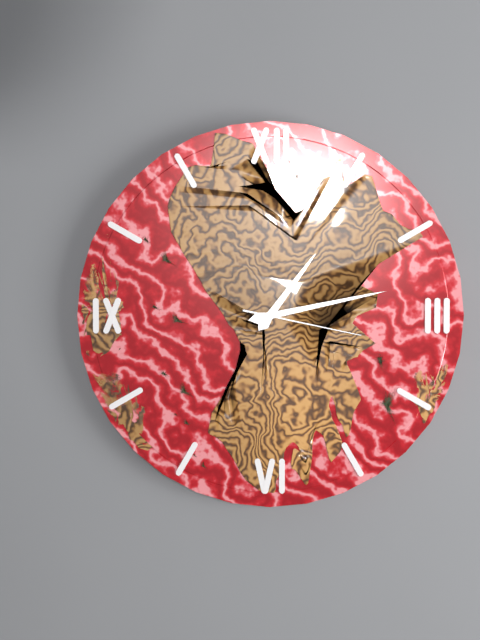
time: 1:13:17
